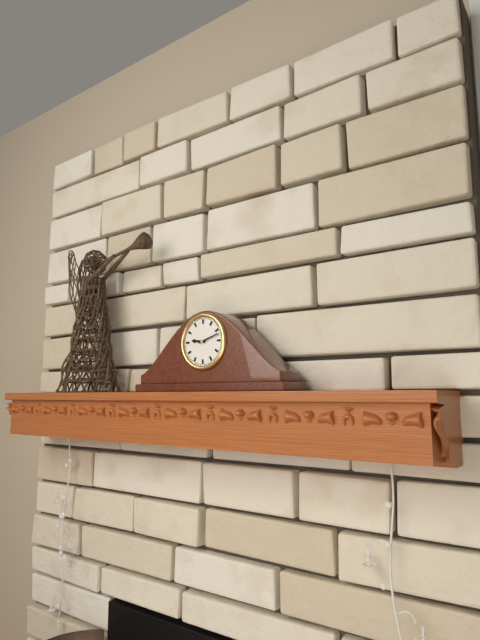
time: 9:12
